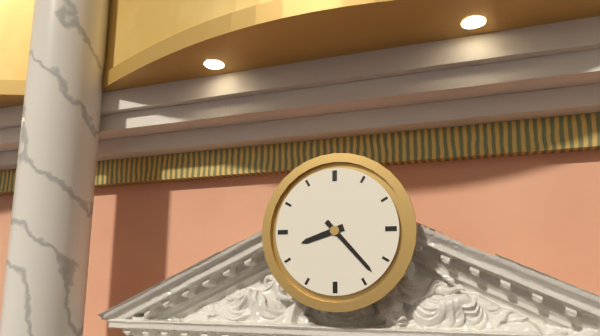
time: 8:23
